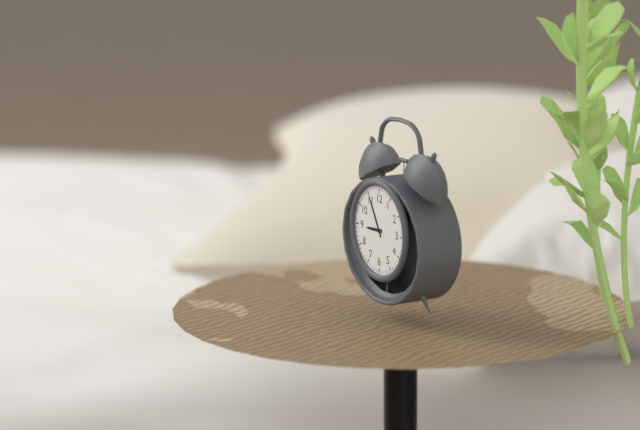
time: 8:55
